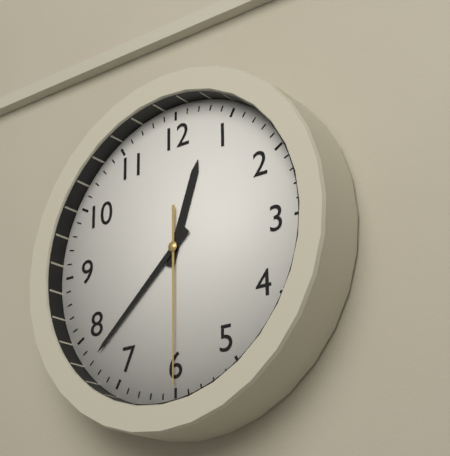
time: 12:38:30
